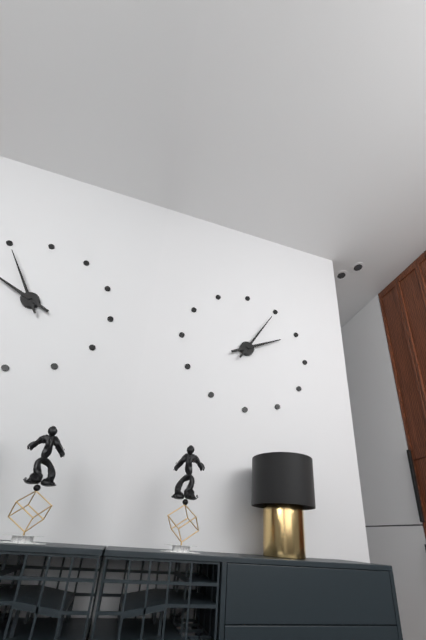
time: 2:05
